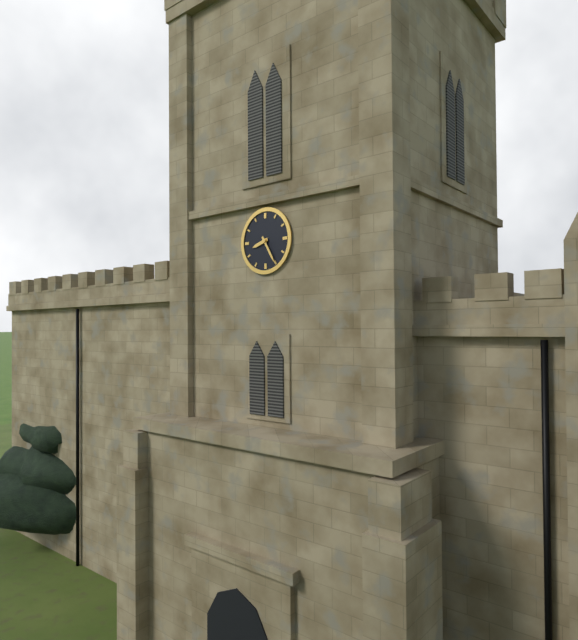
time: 8:25
